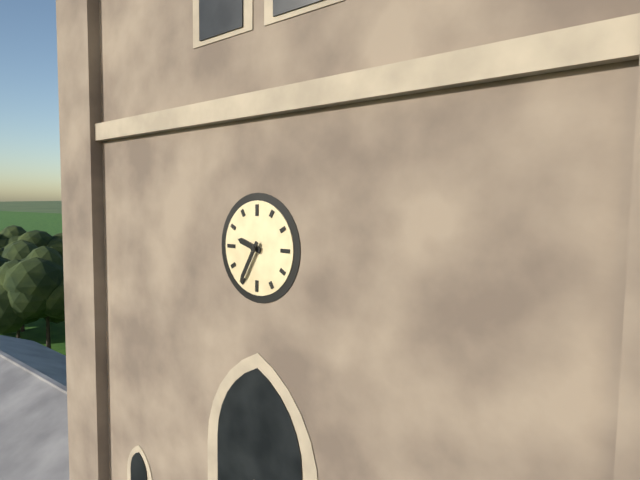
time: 9:35
